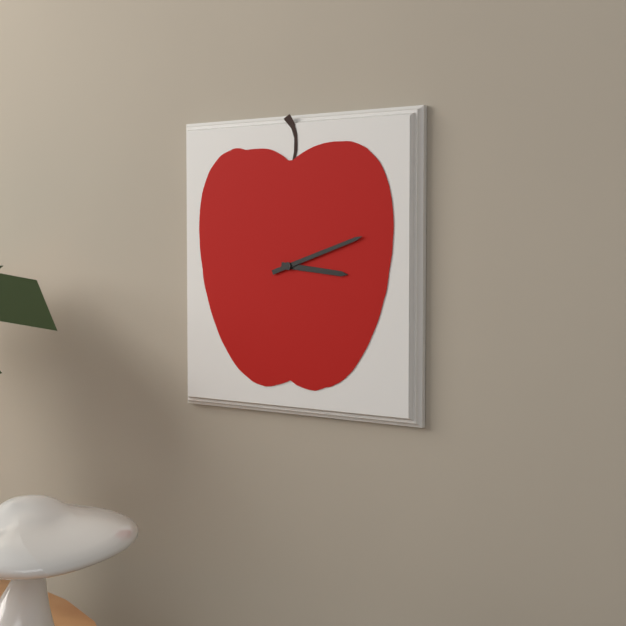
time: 3:12
